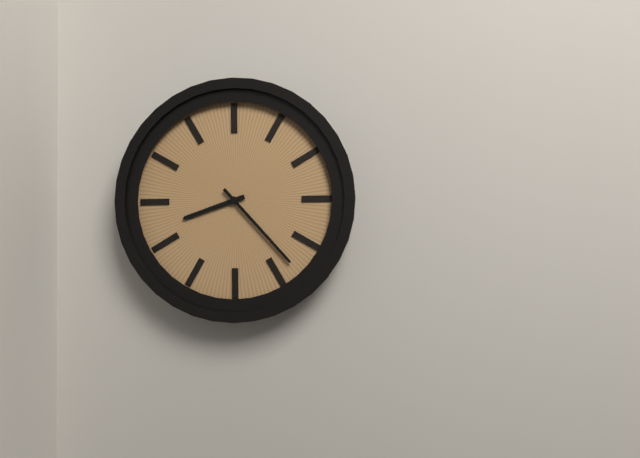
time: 8:23
